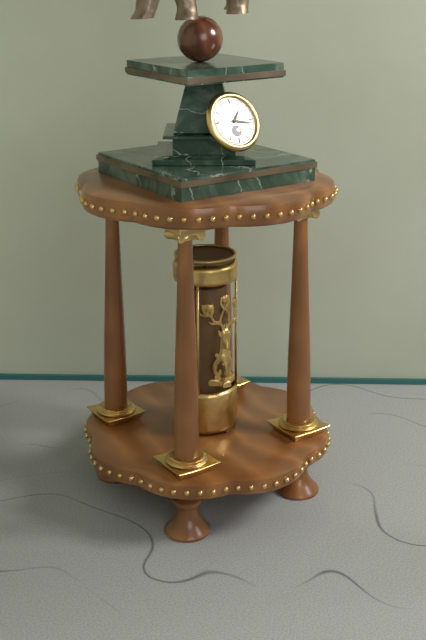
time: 1:17
